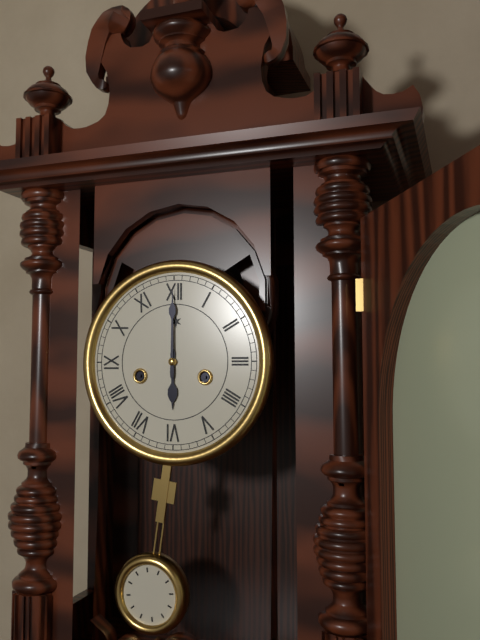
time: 6:00
